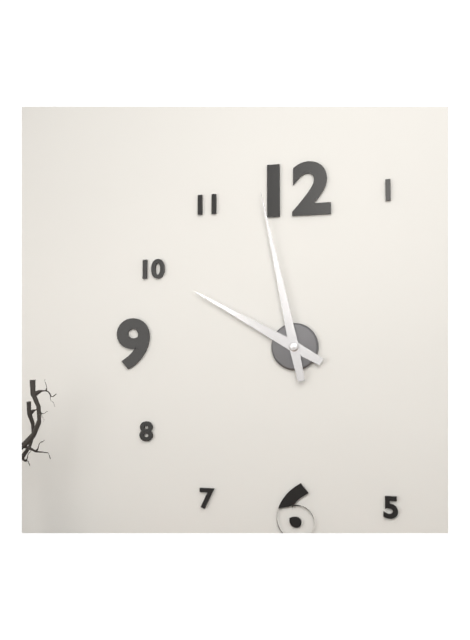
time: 9:58
